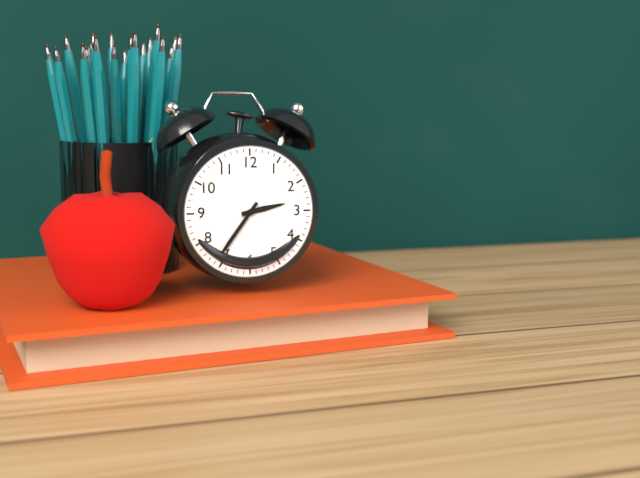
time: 2:36
